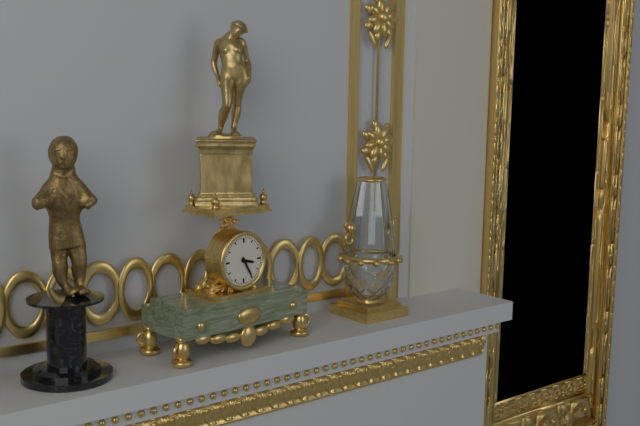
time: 3:25
